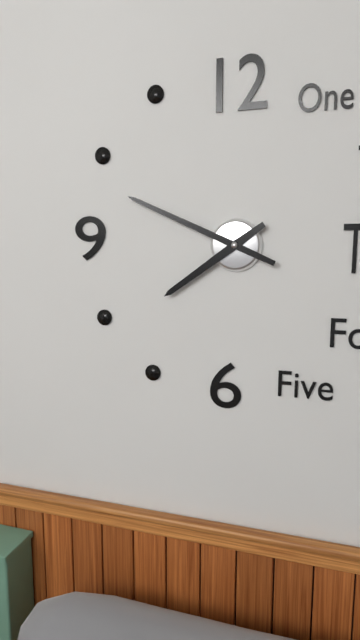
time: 7:49
